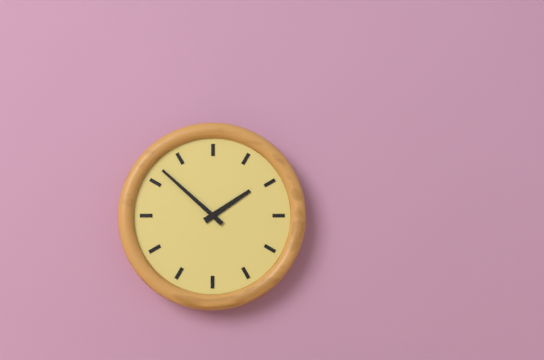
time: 1:52
